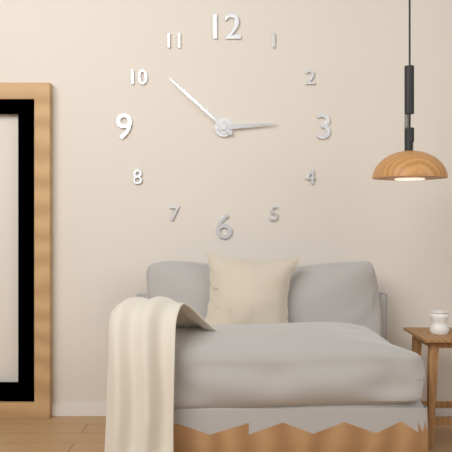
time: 2:52
